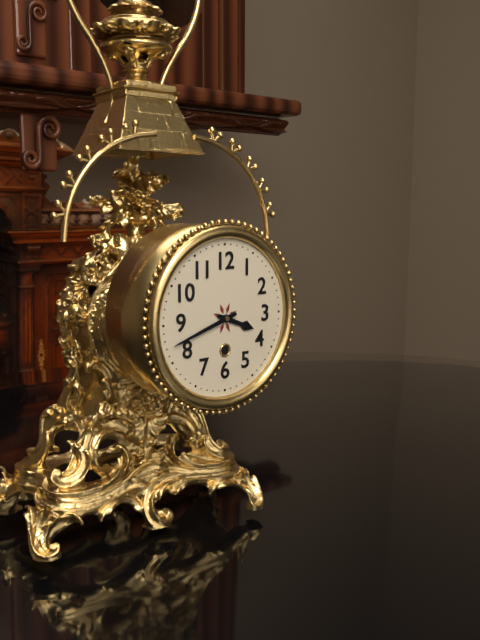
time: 3:42
